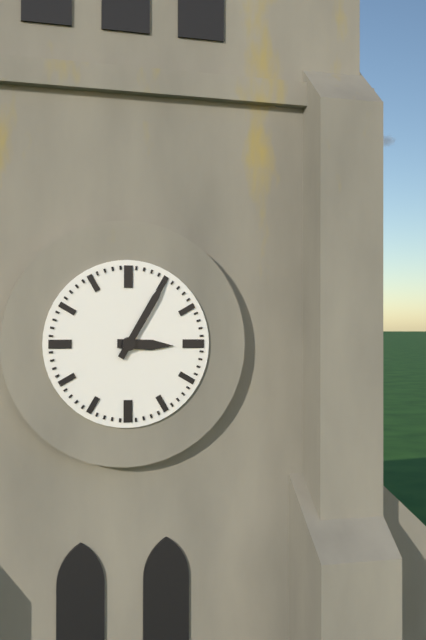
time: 3:05
